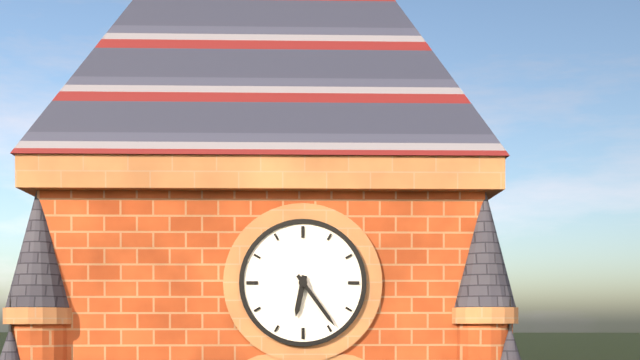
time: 6:24
